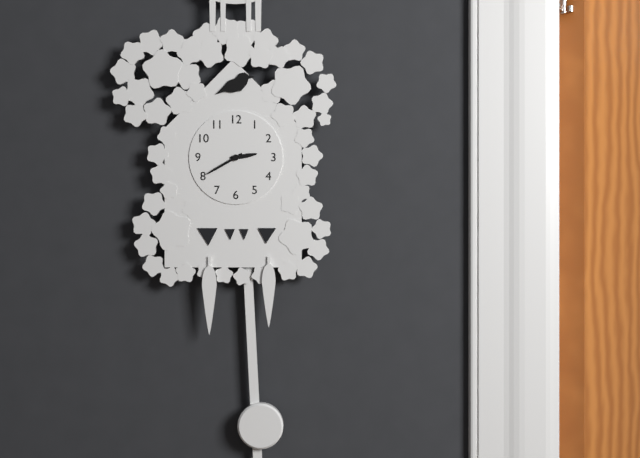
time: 2:40
